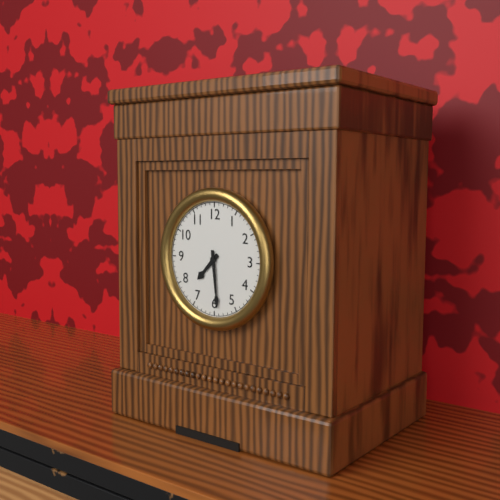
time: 7:29
